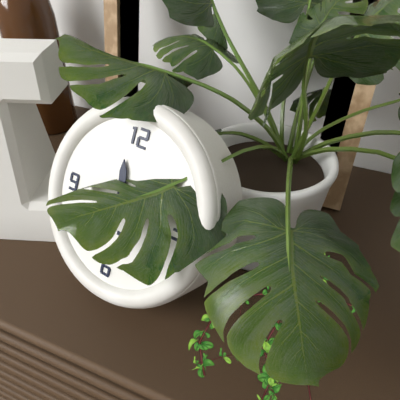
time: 11:38
